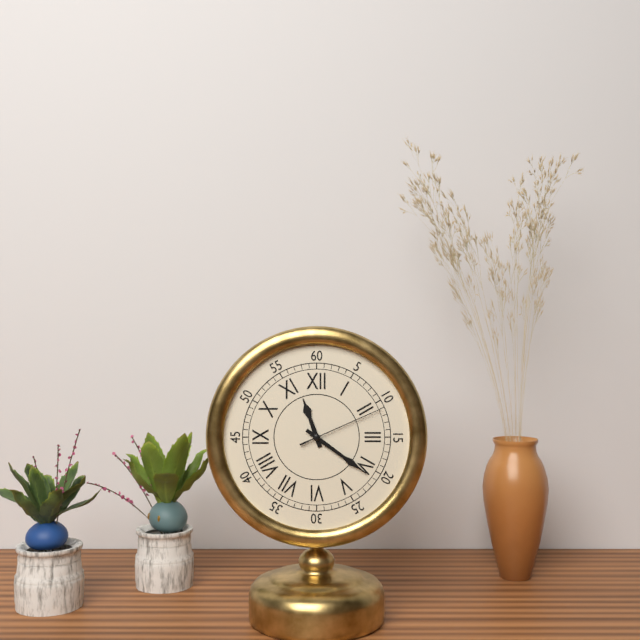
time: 11:21:11
